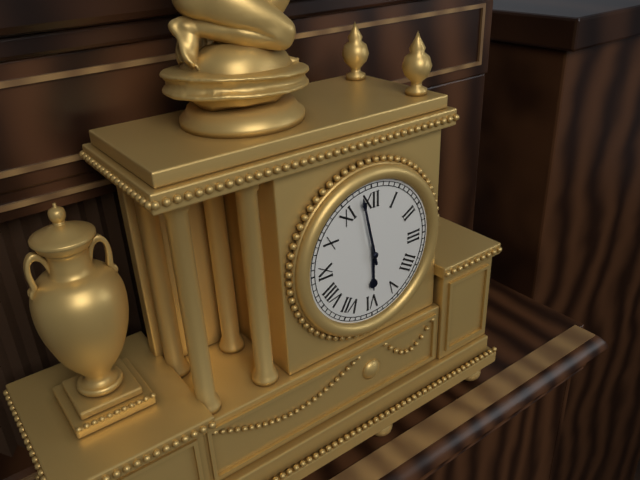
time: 5:58
